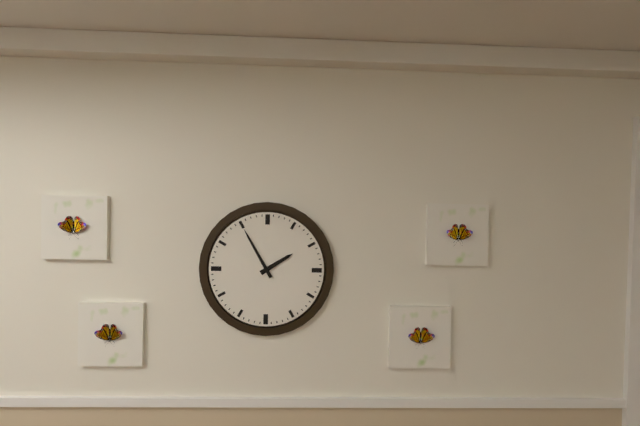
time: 1:55
